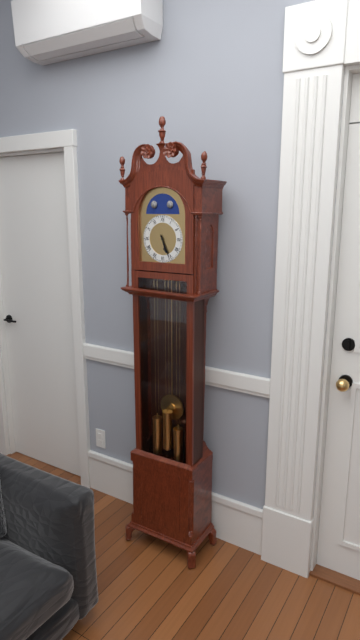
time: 5:26
